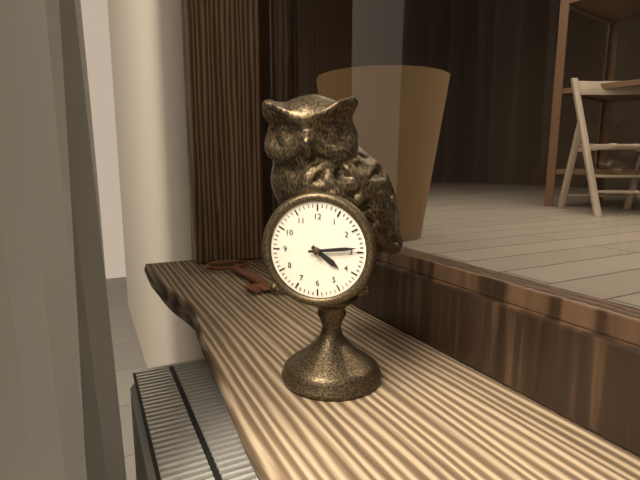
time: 4:14
